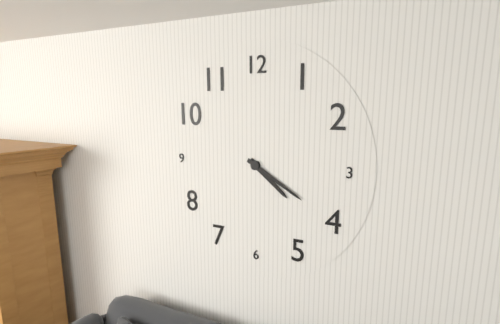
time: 4:20
